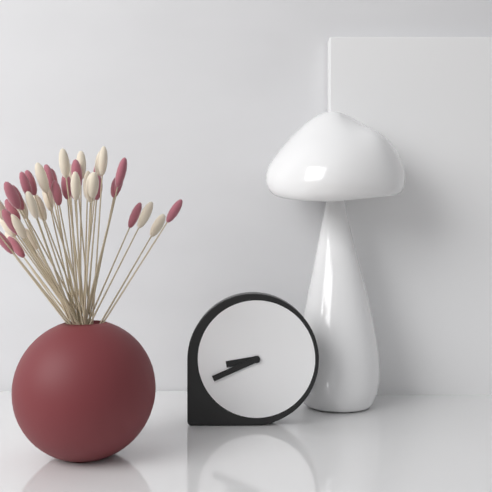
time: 8:41
